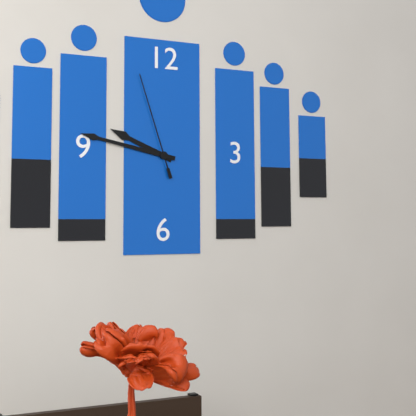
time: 9:47:57
